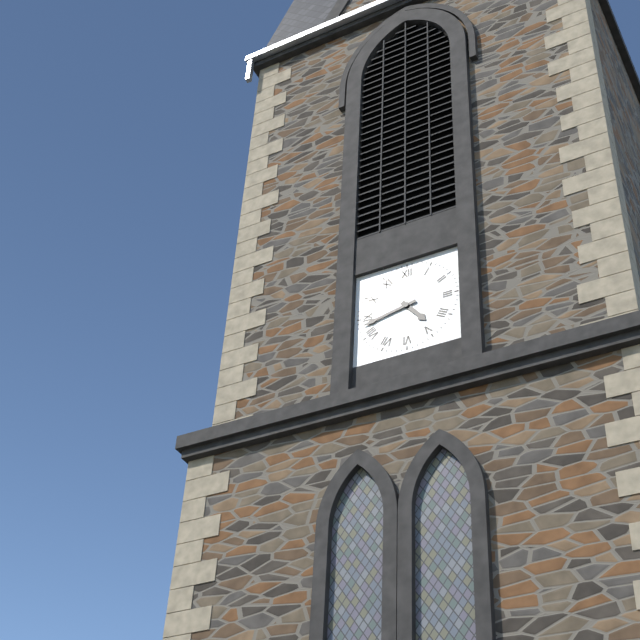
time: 4:43
